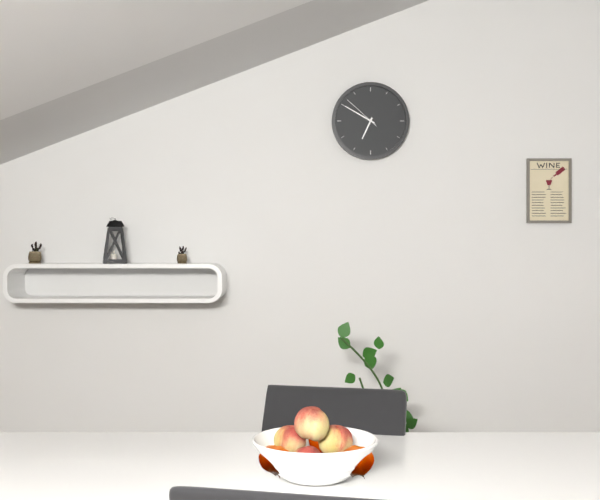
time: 6:50
